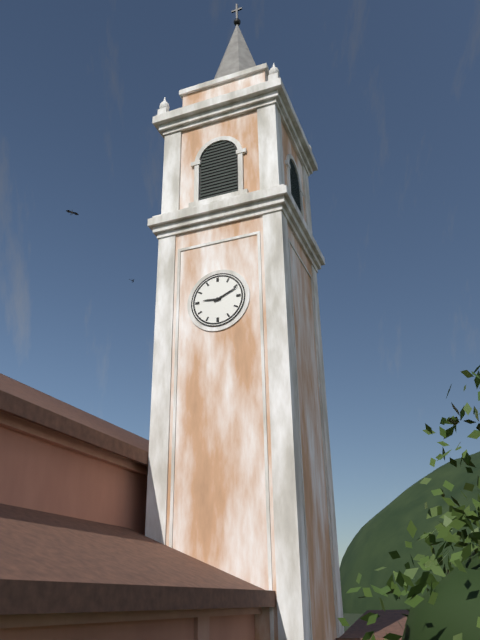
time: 9:11
